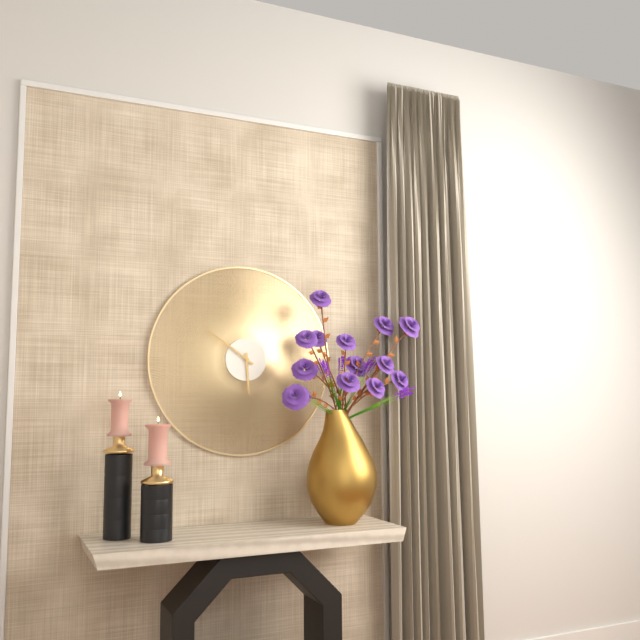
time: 5:51
